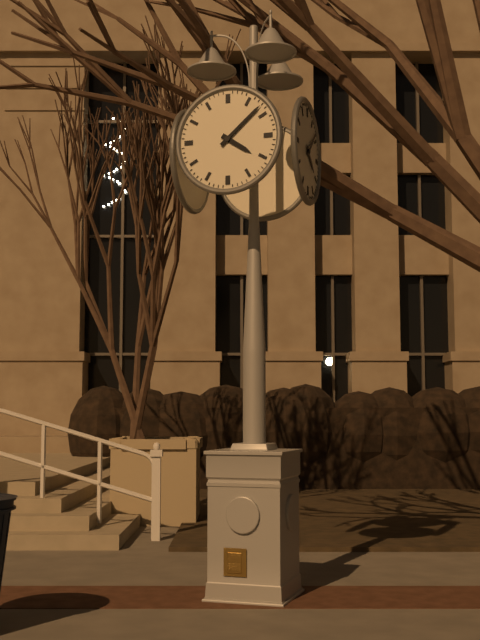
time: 4:08
